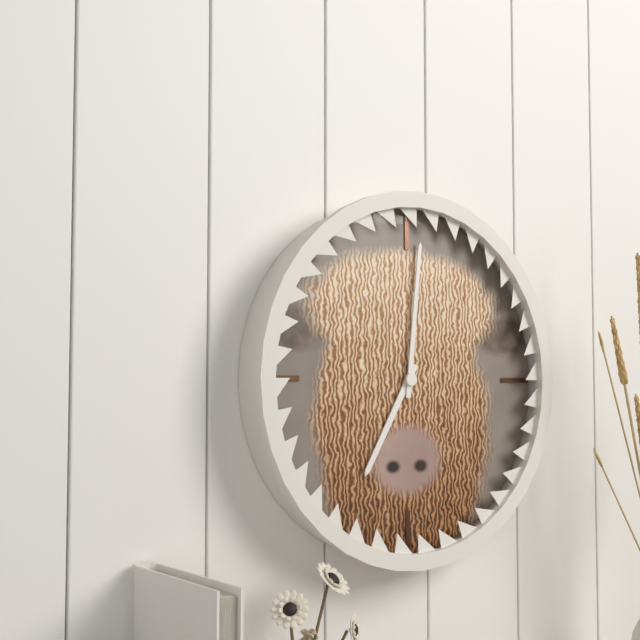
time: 7:01
